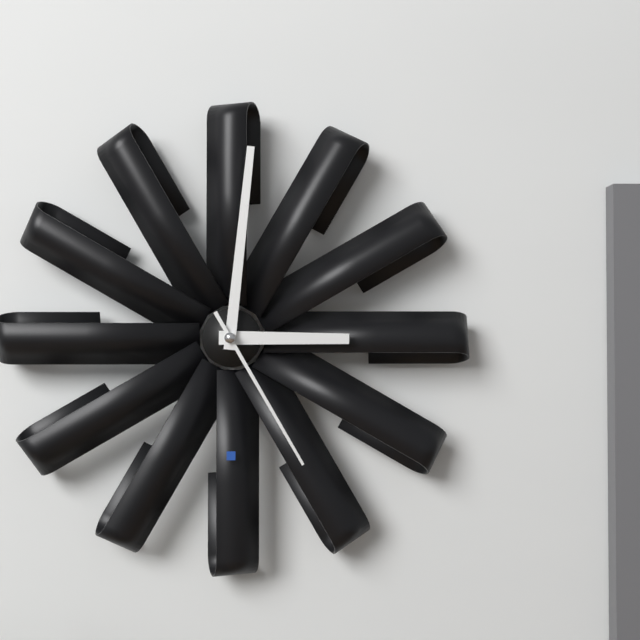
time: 3:01:25
